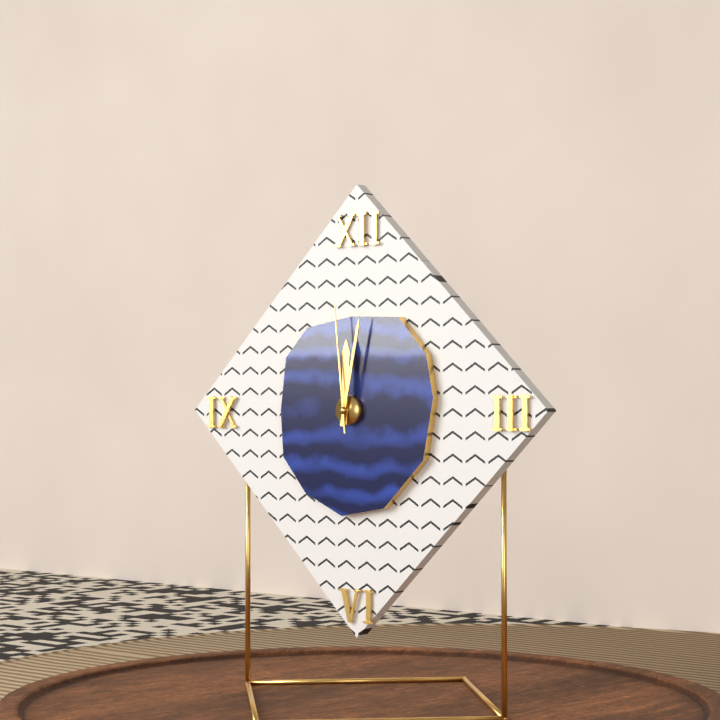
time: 12:02:59
